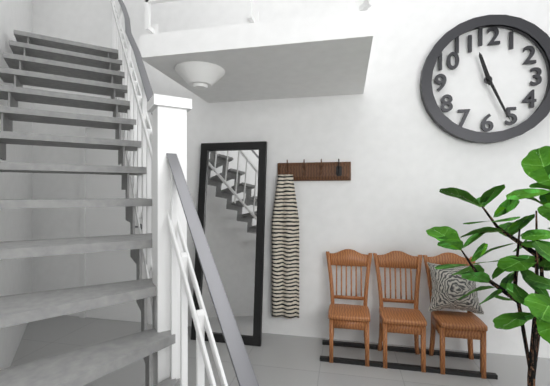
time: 11:26:26
